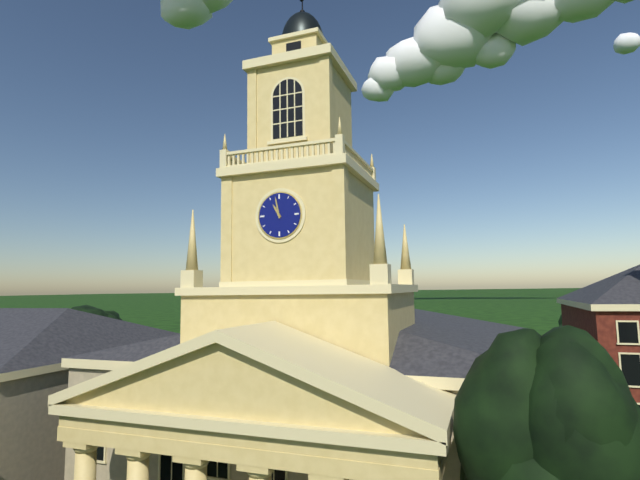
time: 10:58
